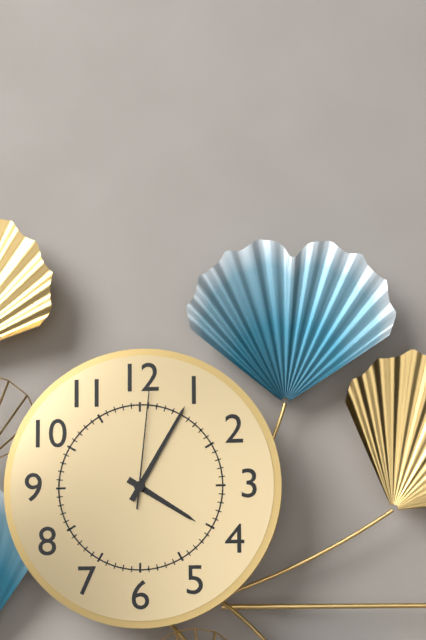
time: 4:05:01
